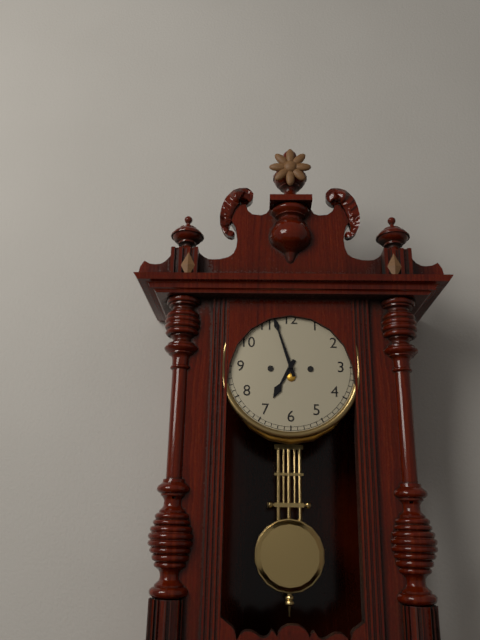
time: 6:57
